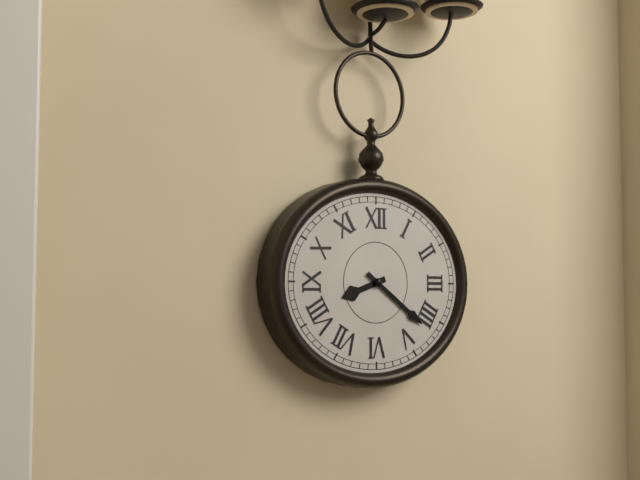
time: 8:21
